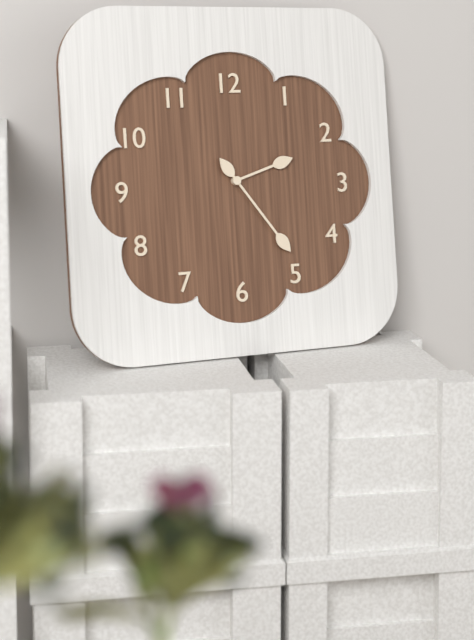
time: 2:24
